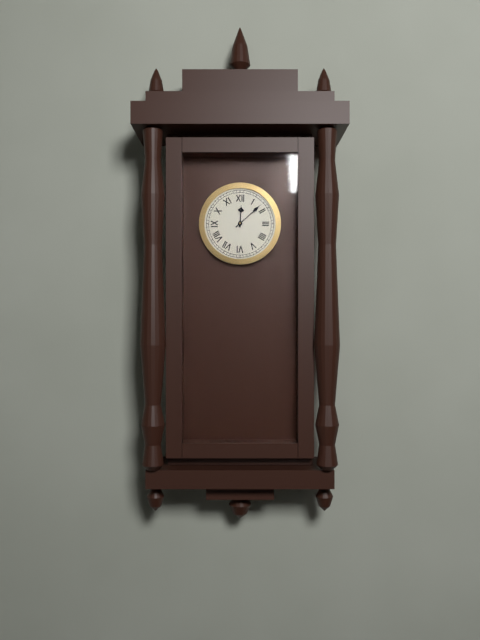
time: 12:08
